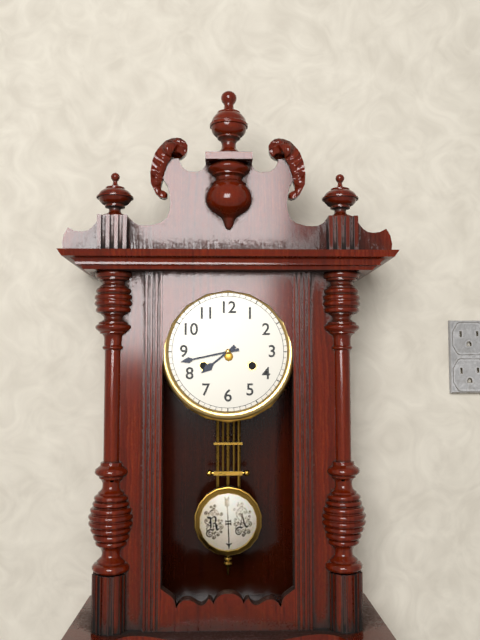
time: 7:43
